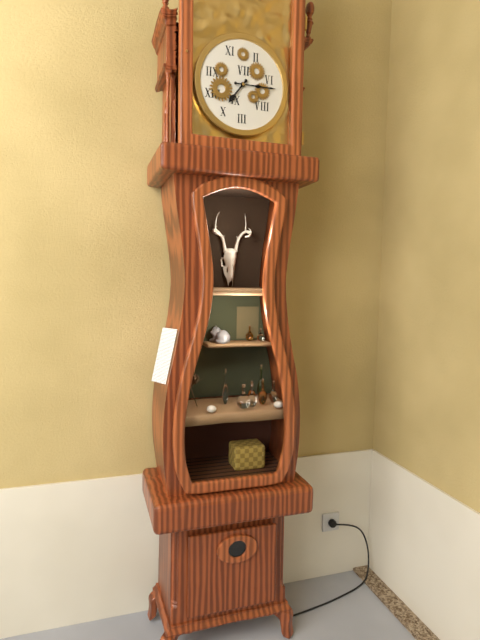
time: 7:15
